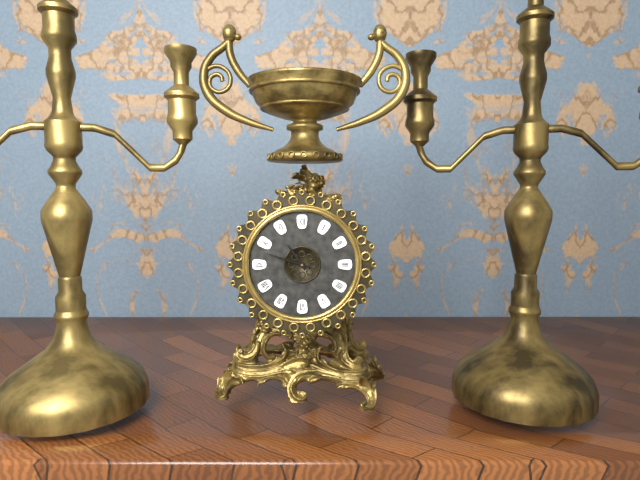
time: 10:48
